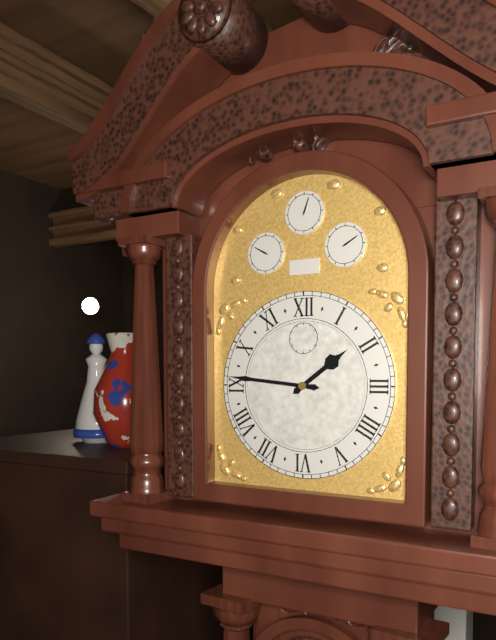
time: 1:46
